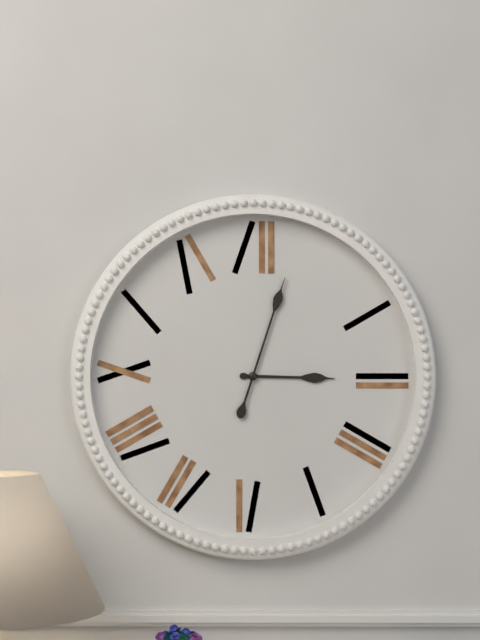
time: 3:03
